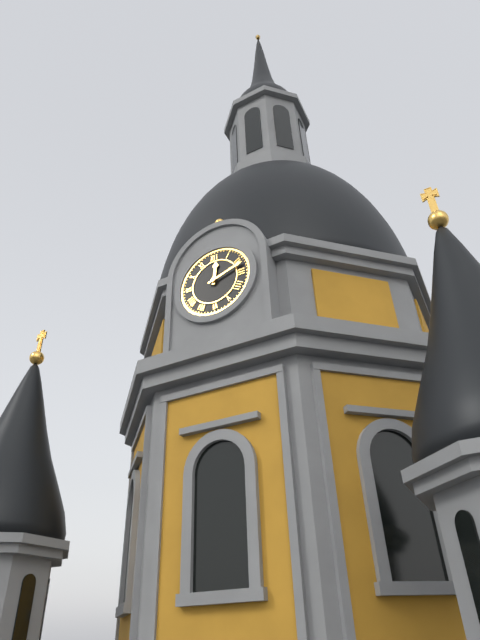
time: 12:12
